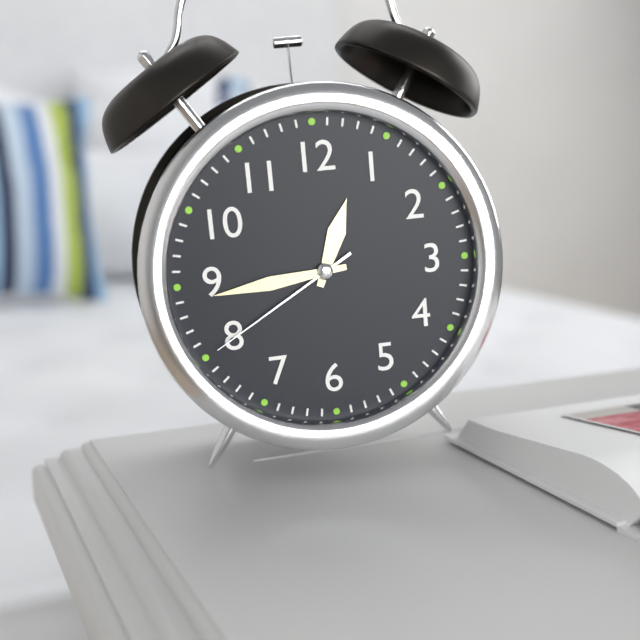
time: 12:44:40
